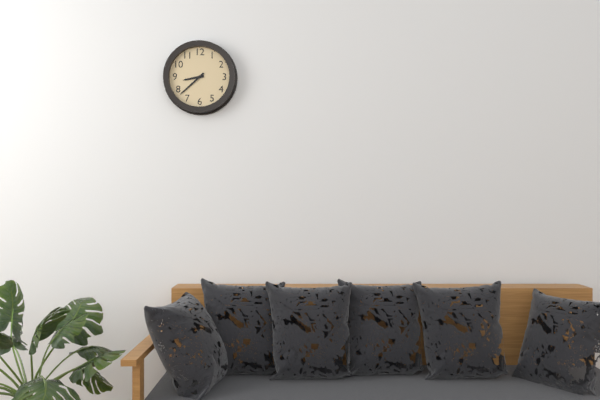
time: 8:38
